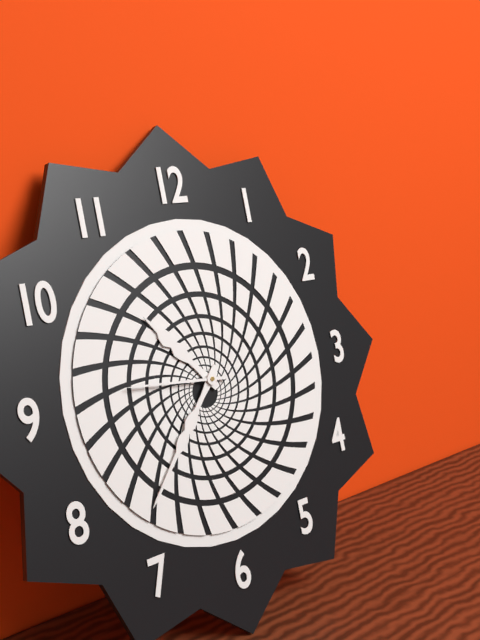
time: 10:37:46
